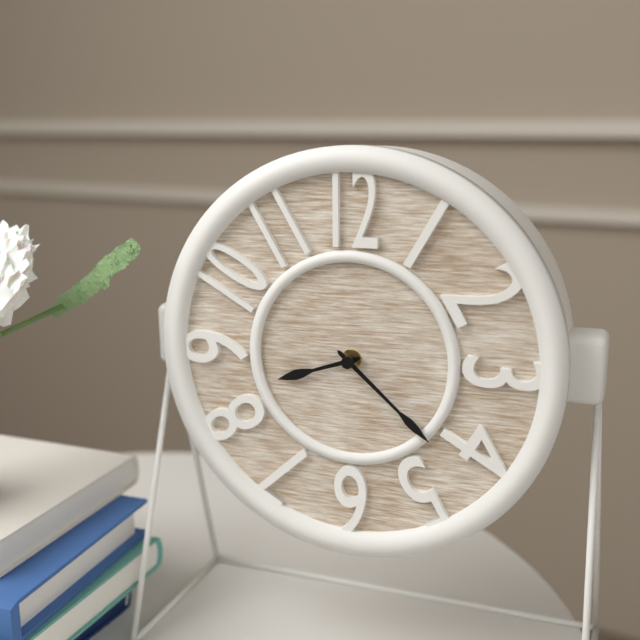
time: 8:22
